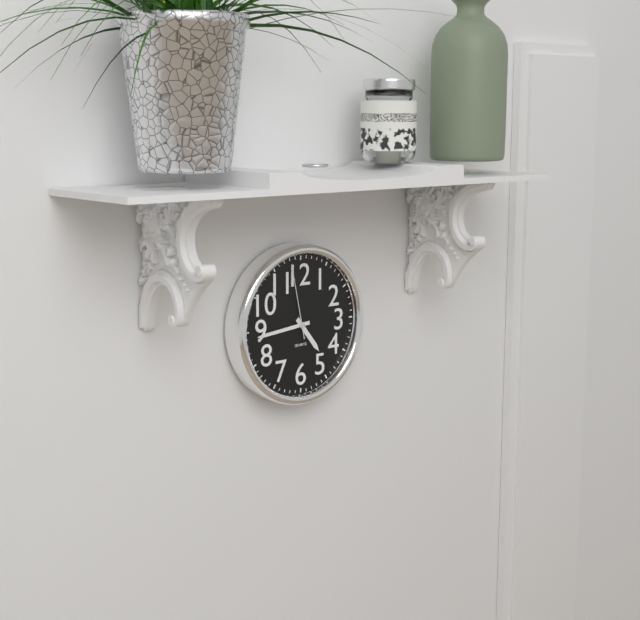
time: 4:44:58
